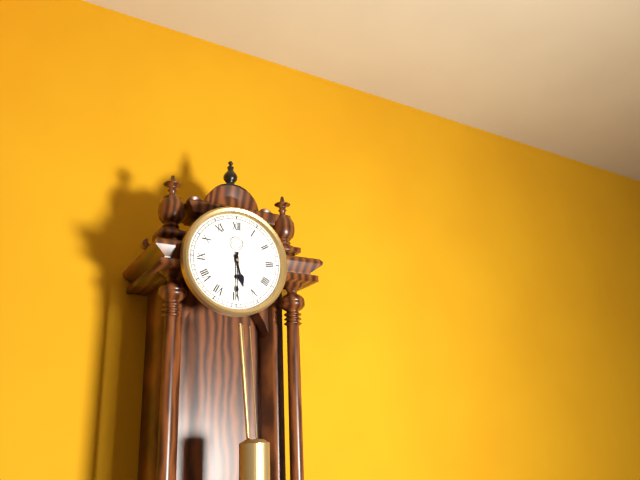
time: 5:30
